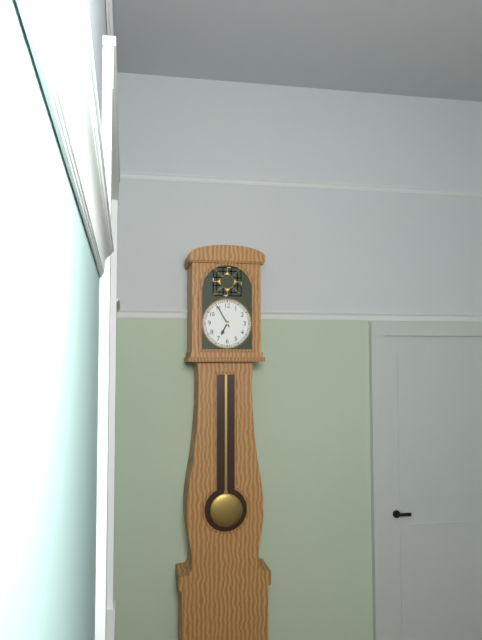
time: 6:55
